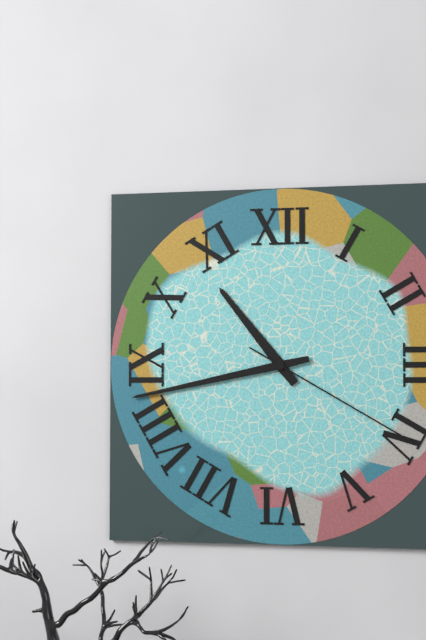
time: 10:43:20
